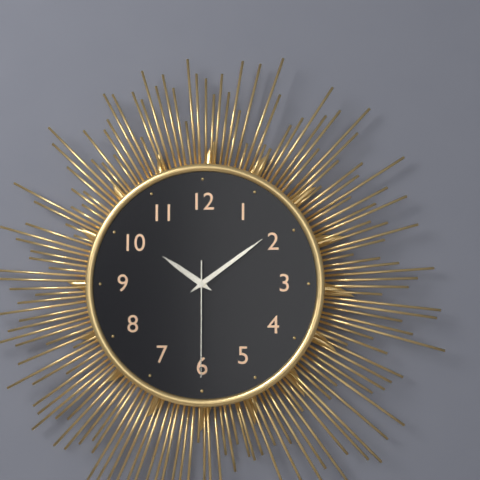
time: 10:09:30
